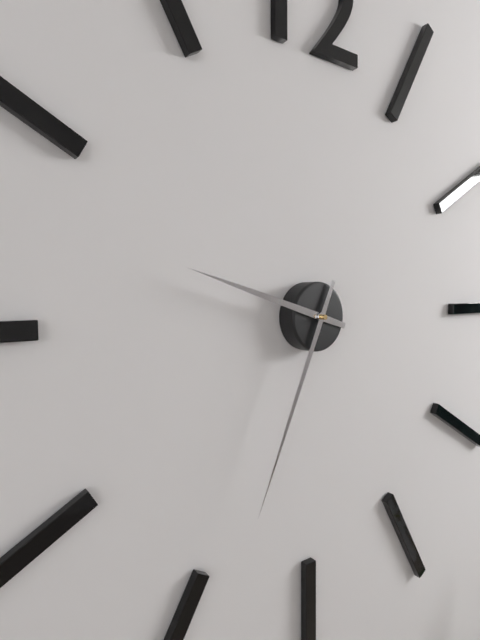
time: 9:34
